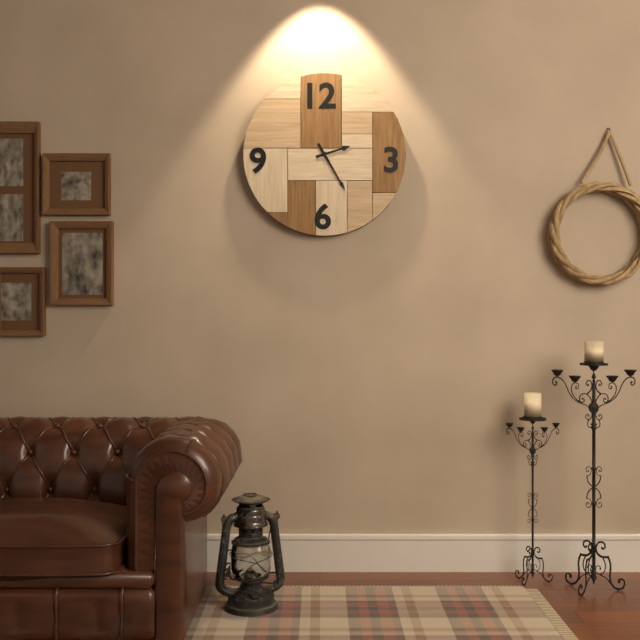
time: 2:25
